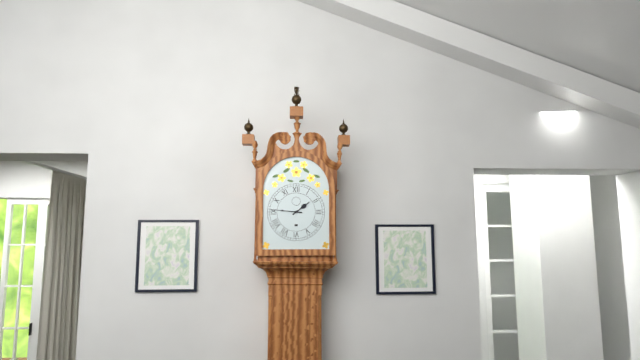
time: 1:46
